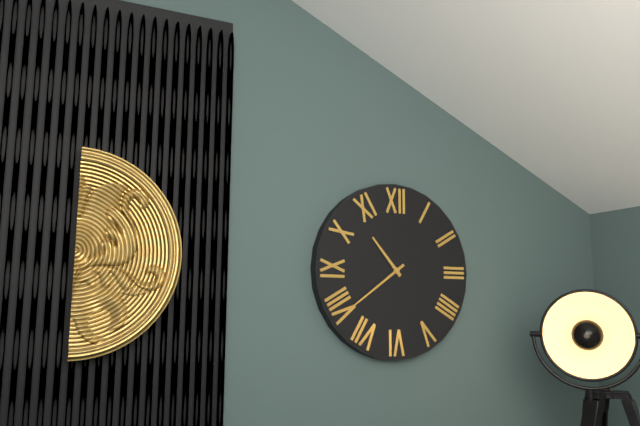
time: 10:39
